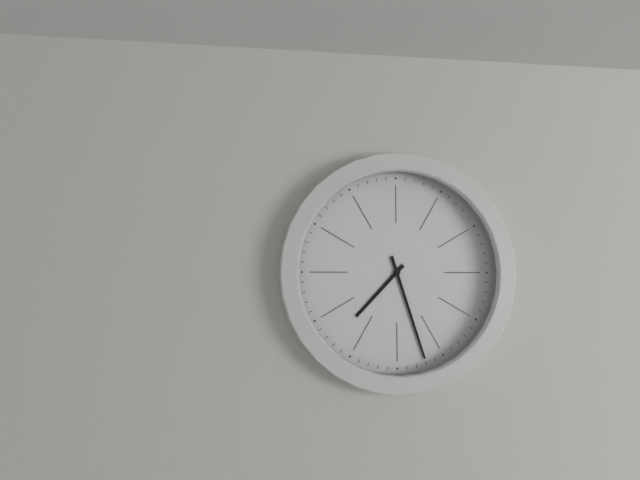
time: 7:27
